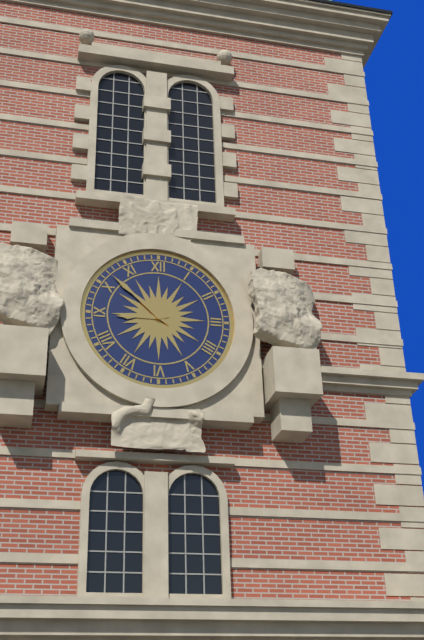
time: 8:52
